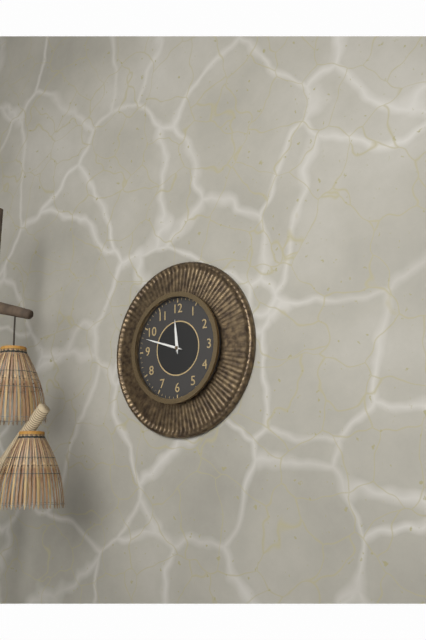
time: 11:48
